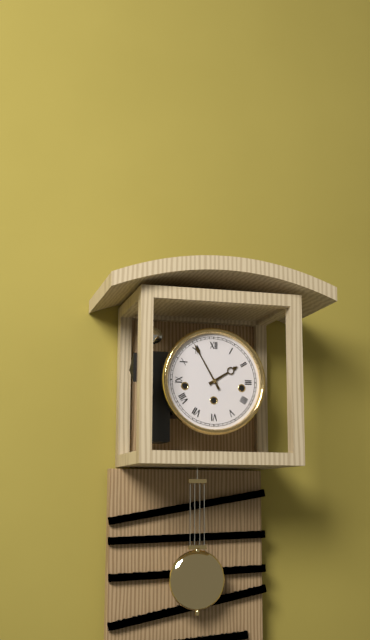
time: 1:55
